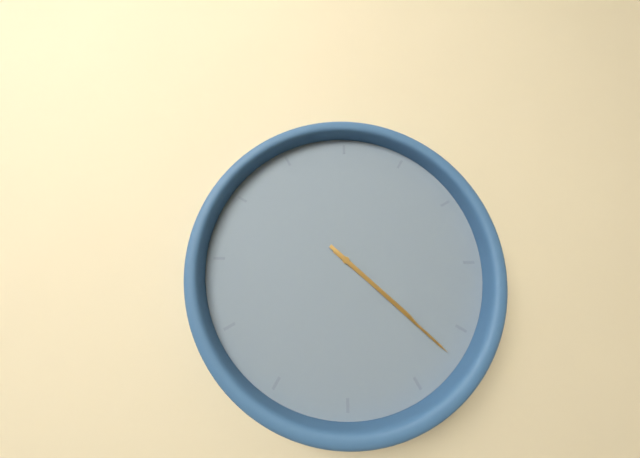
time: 4:22
